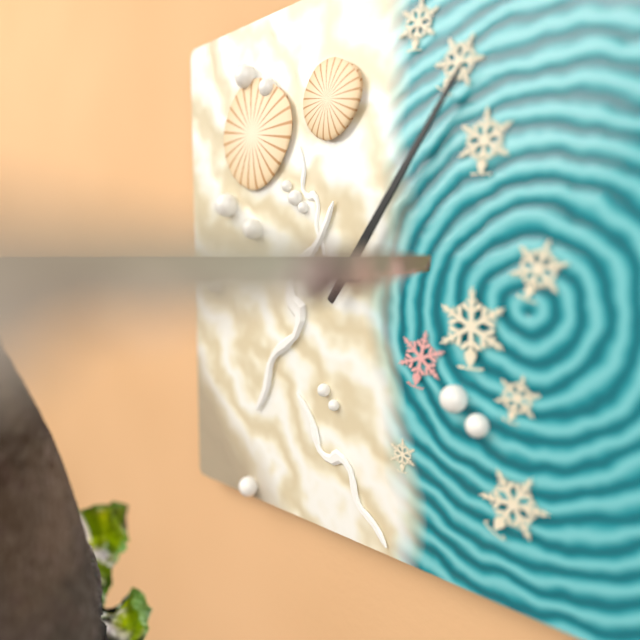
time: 9:06
